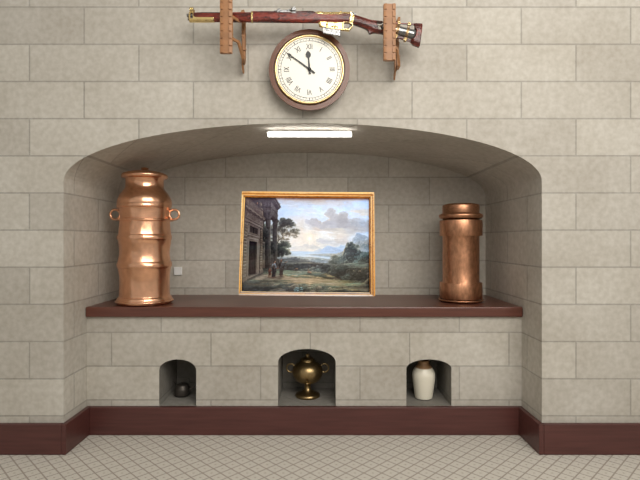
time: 11:51
